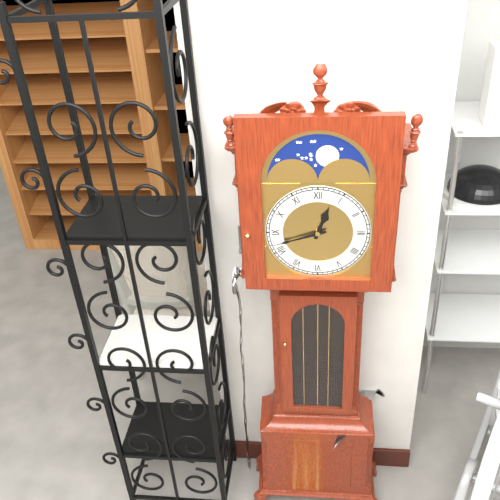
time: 12:42
